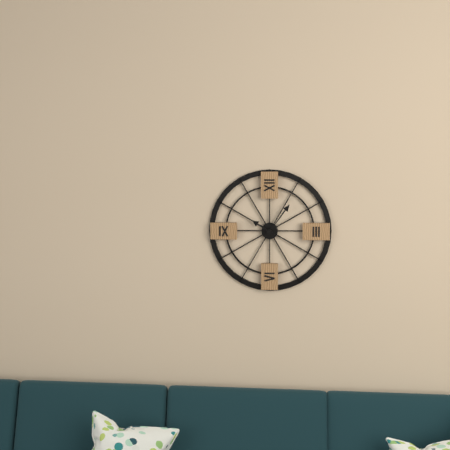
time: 10:06
